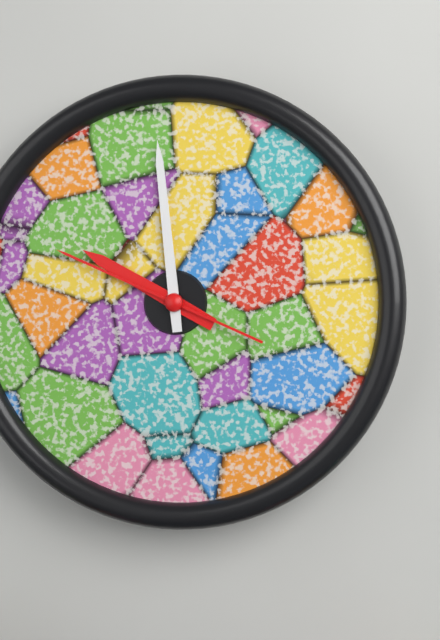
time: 9:59:49
